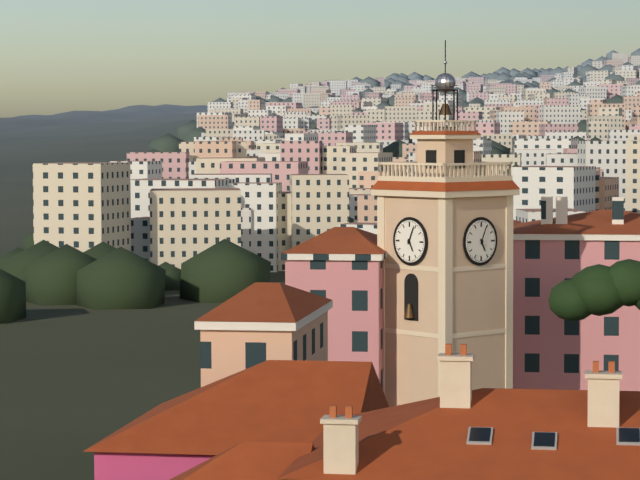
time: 5:04
